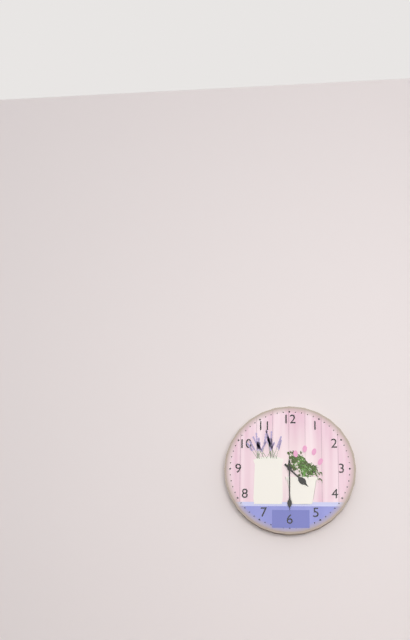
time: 4:30
